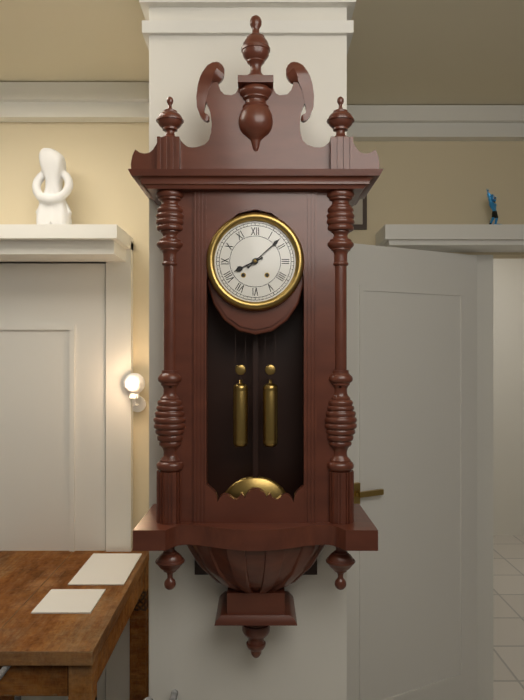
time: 8:08
